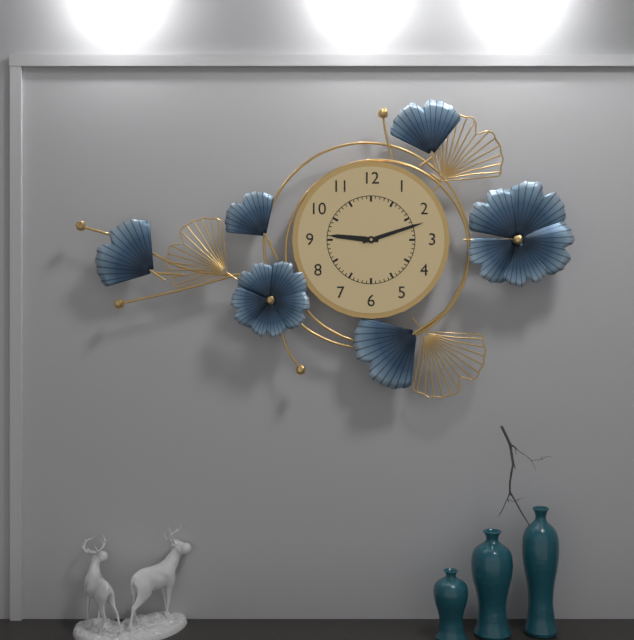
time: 9:12
